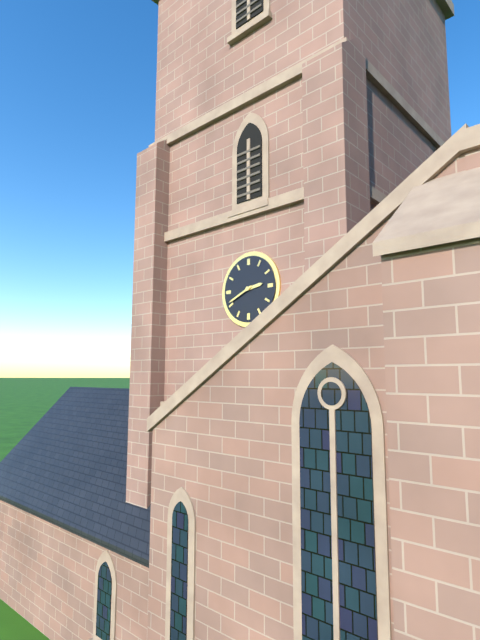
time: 2:41
